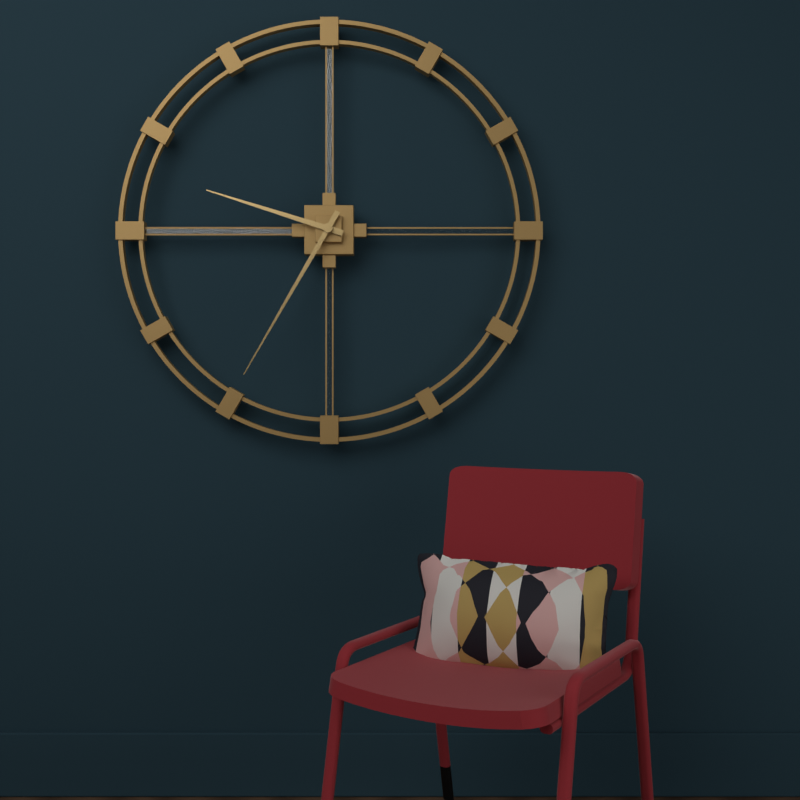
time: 9:35
